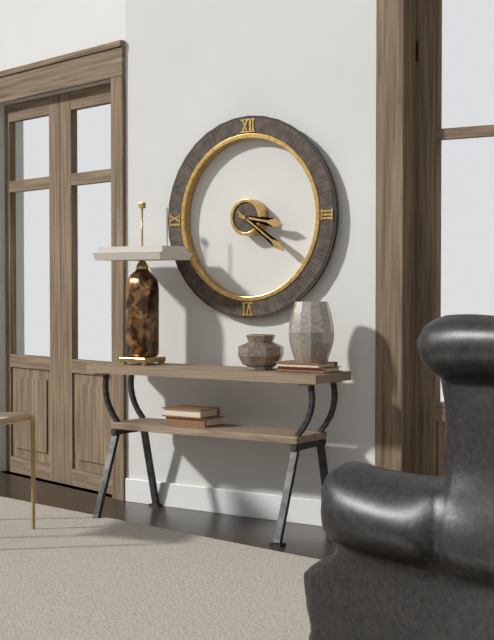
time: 3:21
